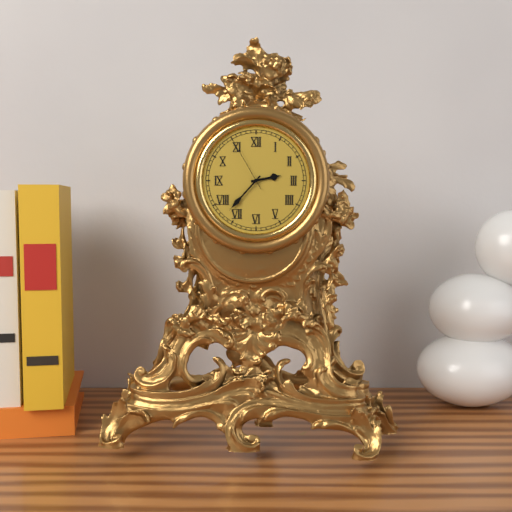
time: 2:37:55
